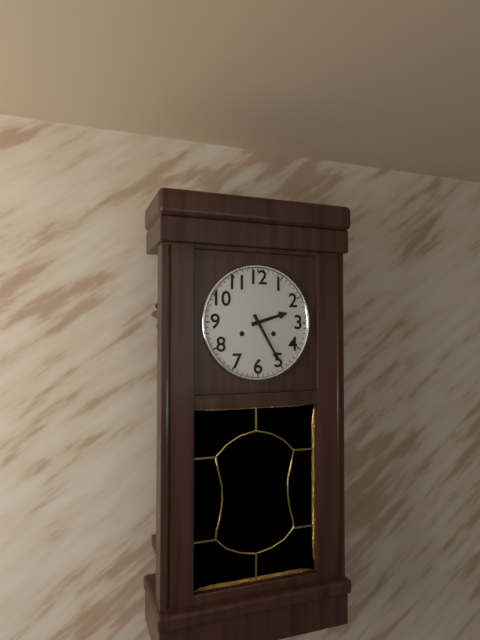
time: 2:25
